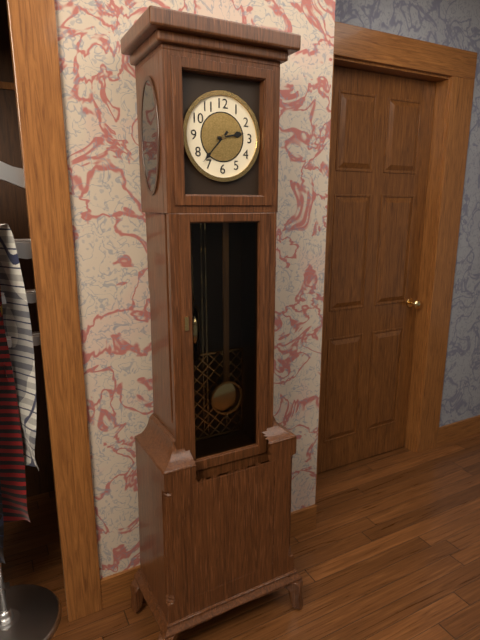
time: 2:37
